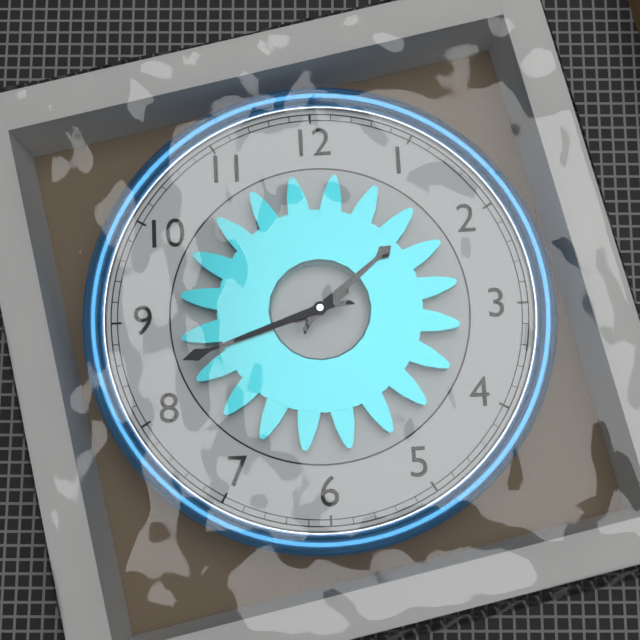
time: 1:42
